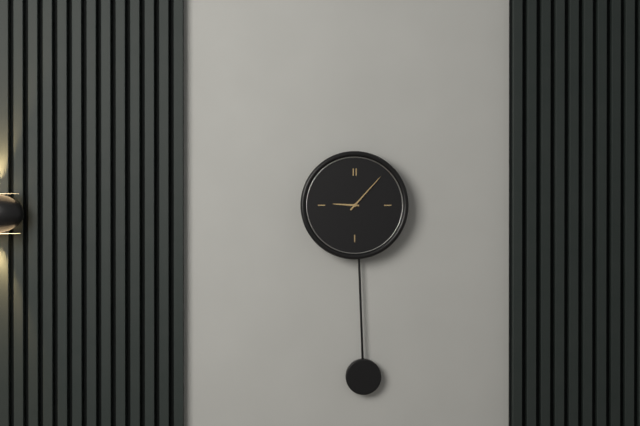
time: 9:07
